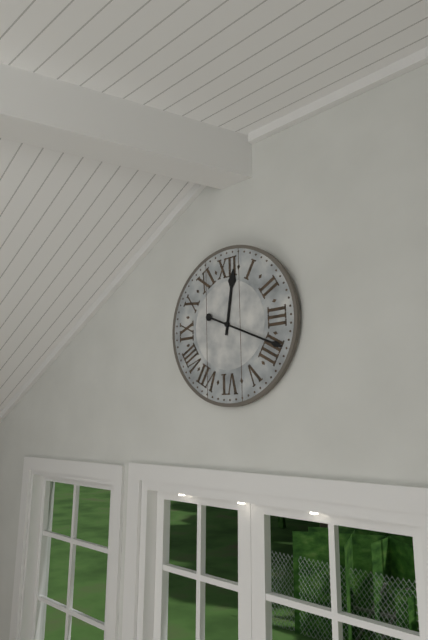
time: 12:19
